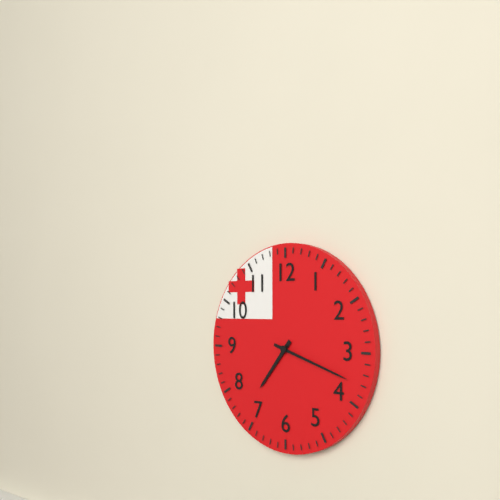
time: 7:18
